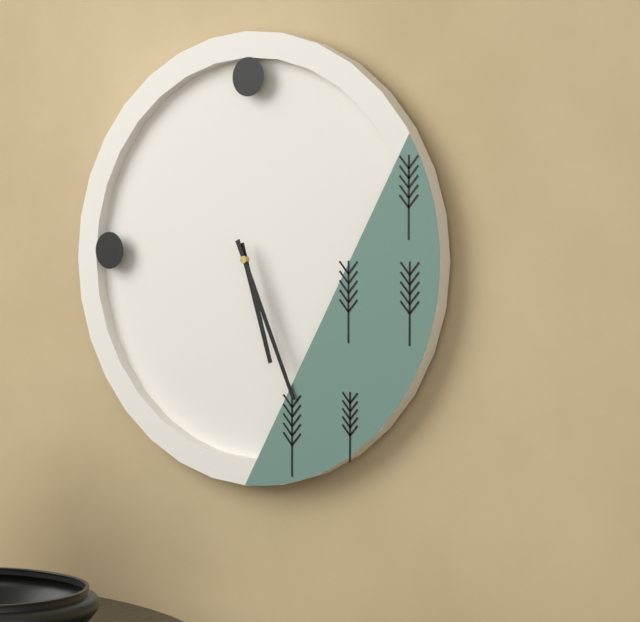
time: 5:26
